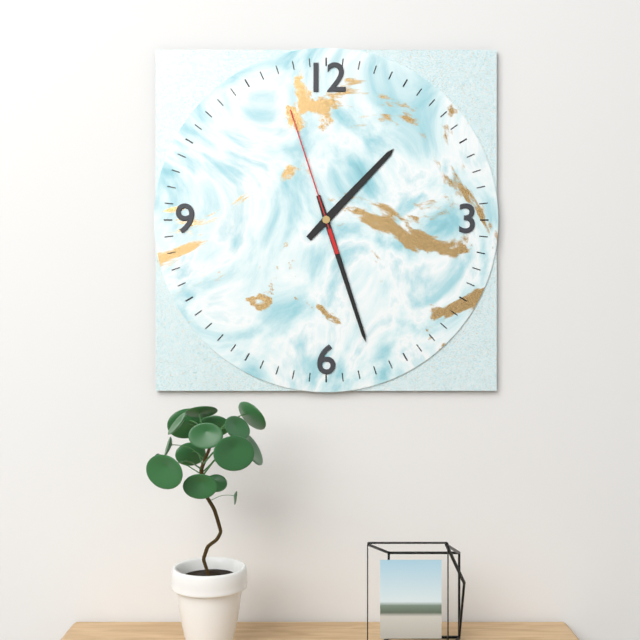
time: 1:27:57
